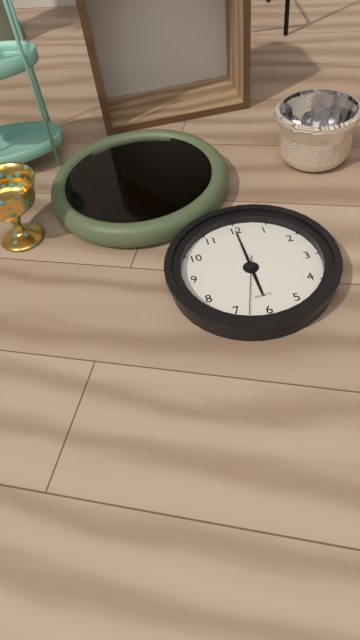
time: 6:00:33
